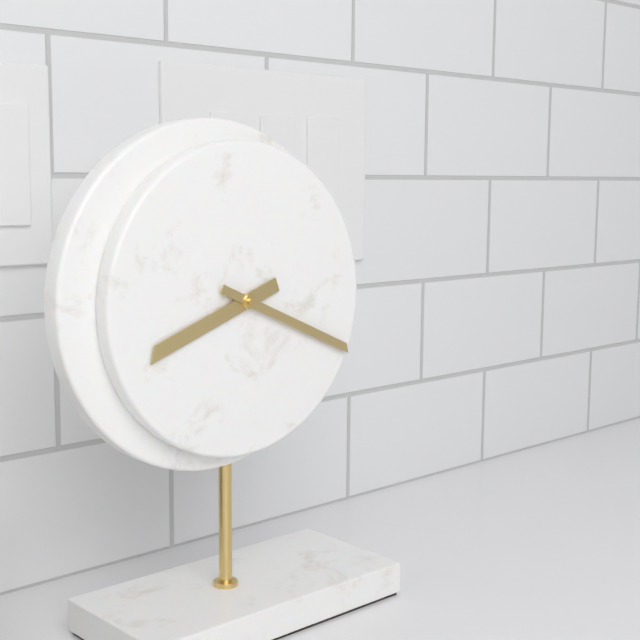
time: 8:19
